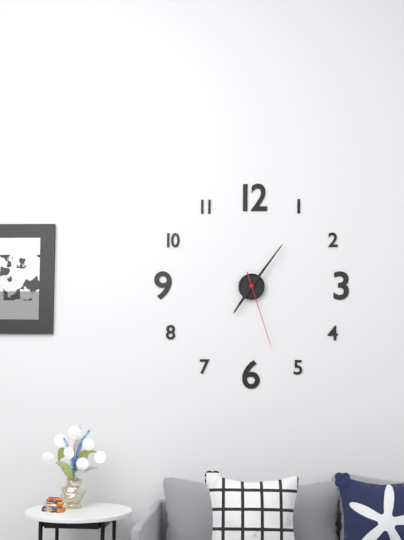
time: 7:06:27
